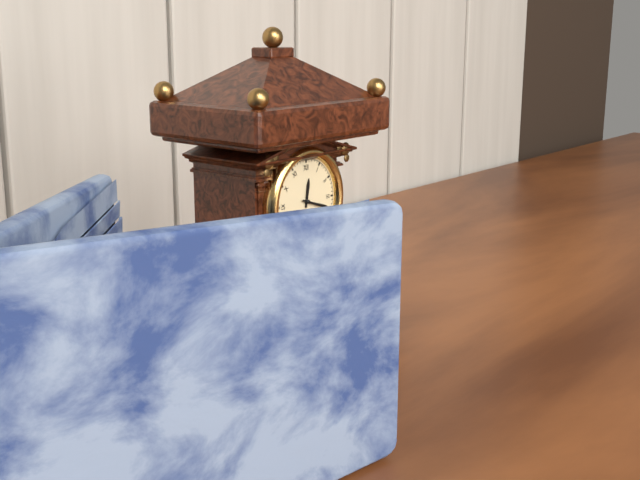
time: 12:18
